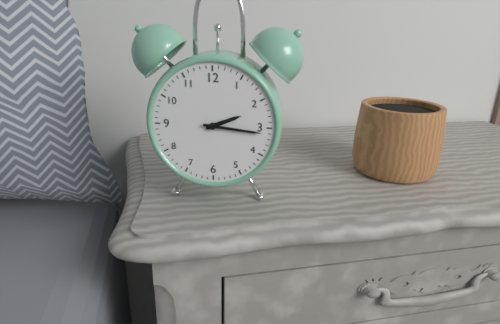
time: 2:16
